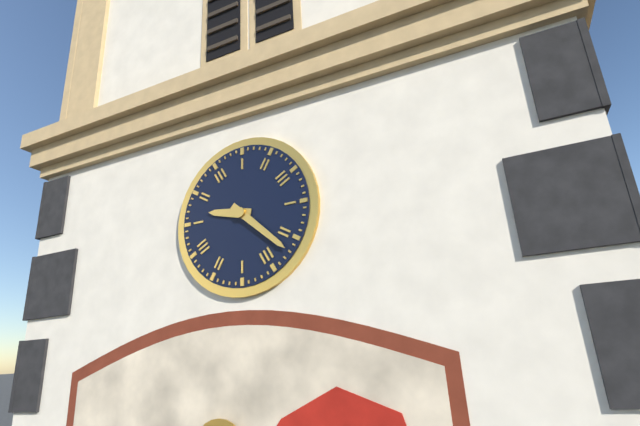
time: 9:22
